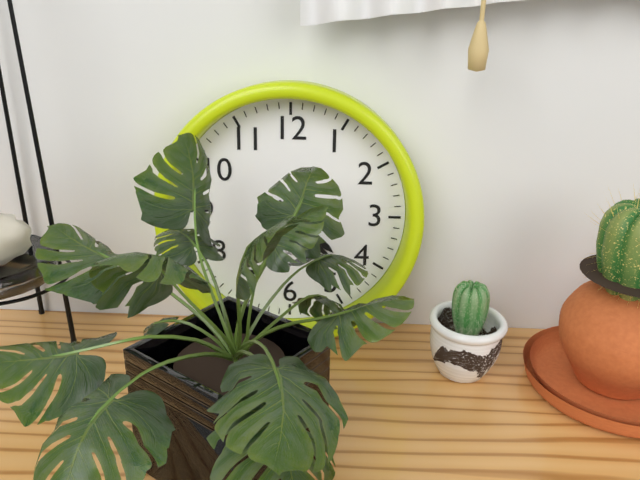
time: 4:23
